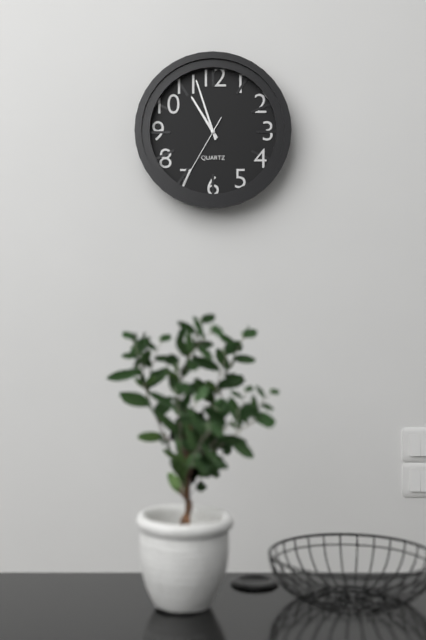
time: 10:57:35
